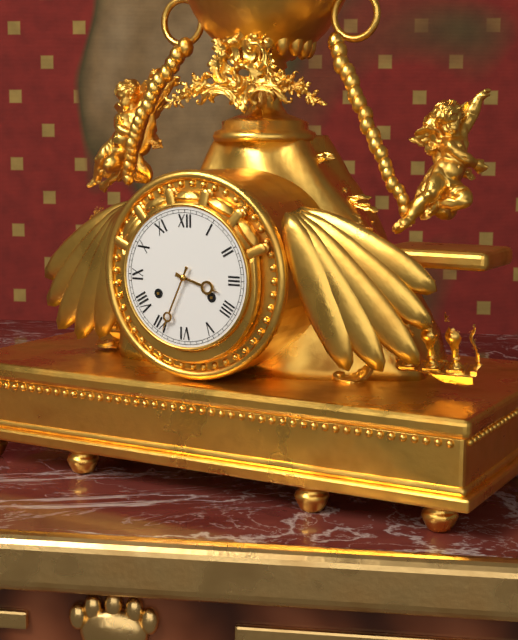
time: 3:34
